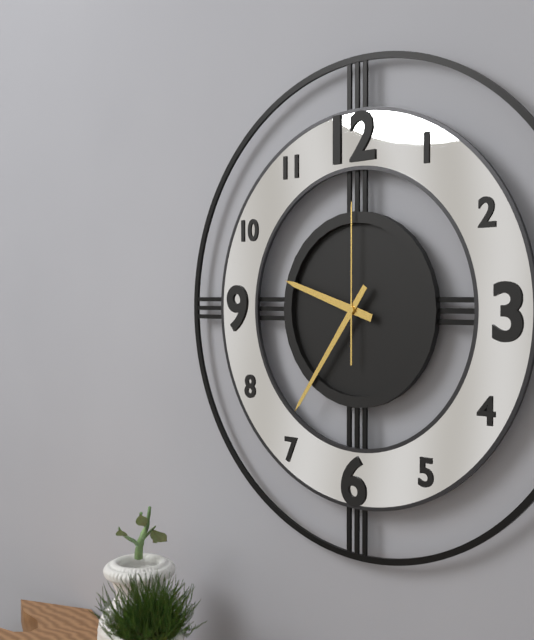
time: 9:36:00
